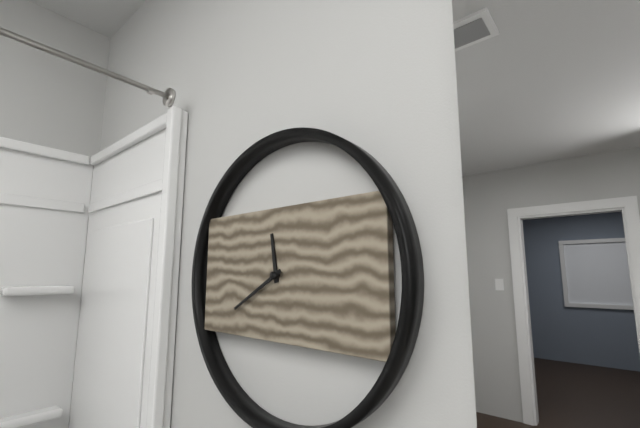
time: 11:40
